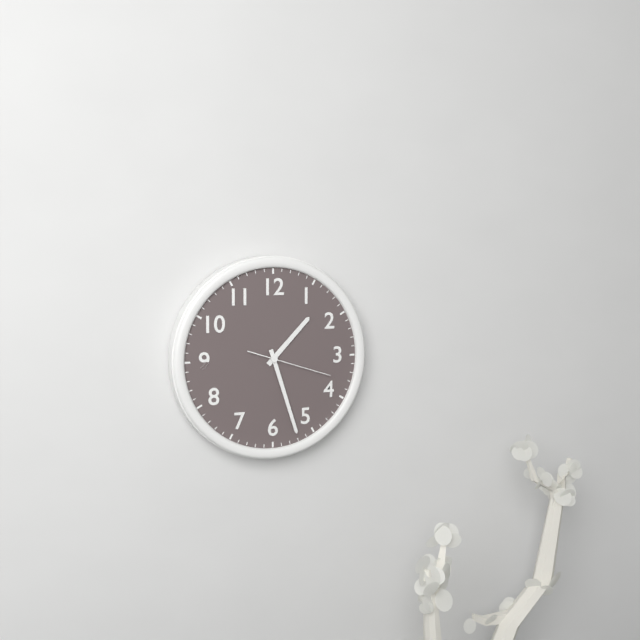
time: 1:27:18
